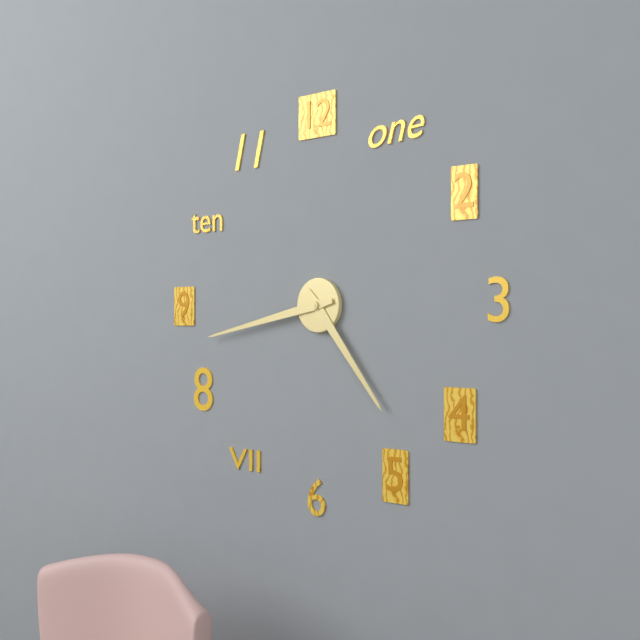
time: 4:43
